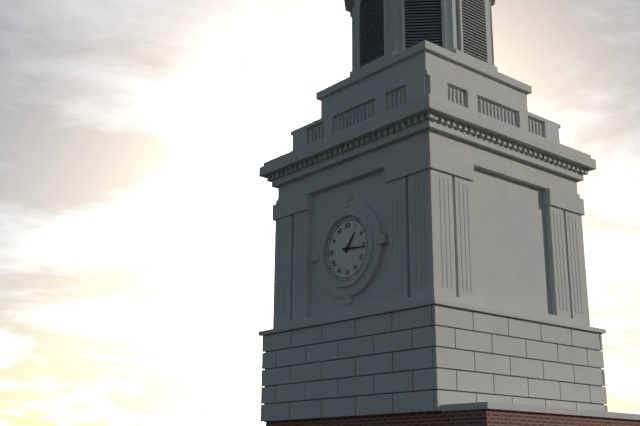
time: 1:16
